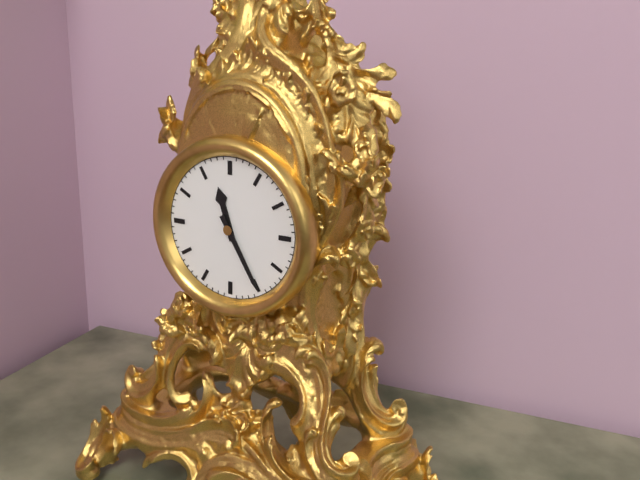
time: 11:25
